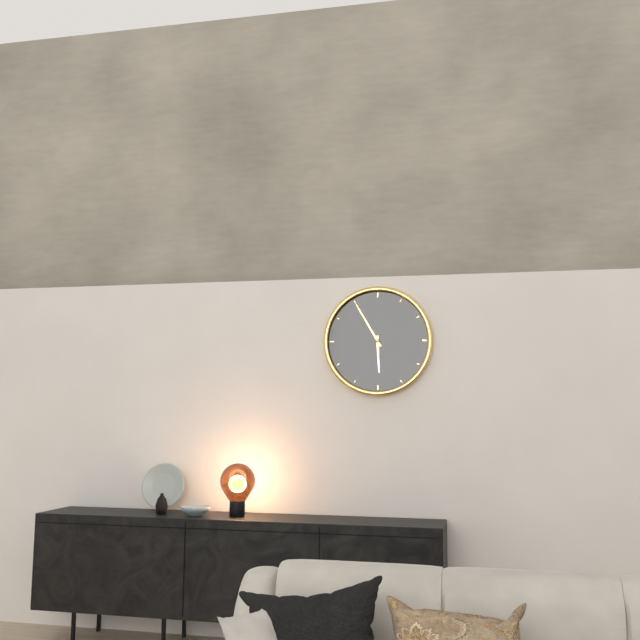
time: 5:55
